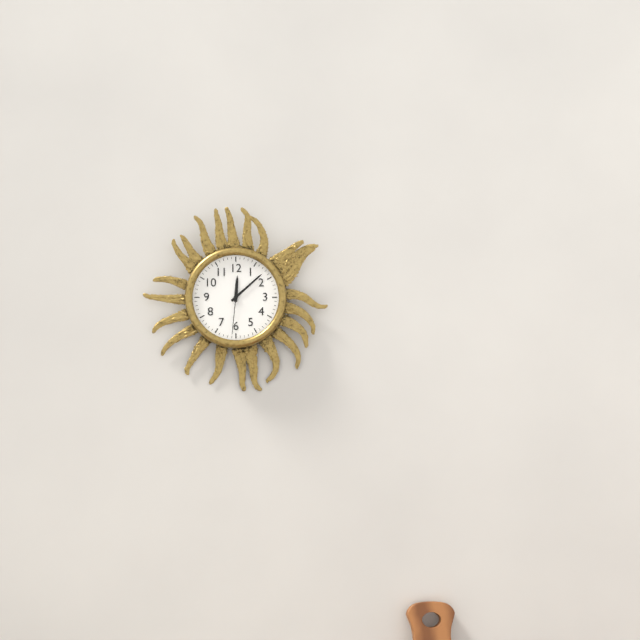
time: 12:08
